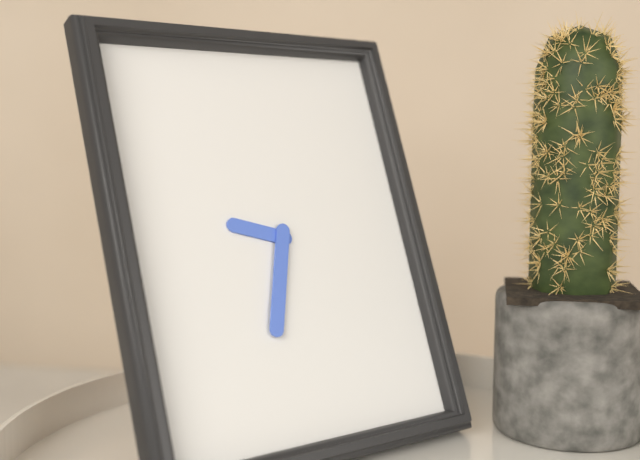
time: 9:33
